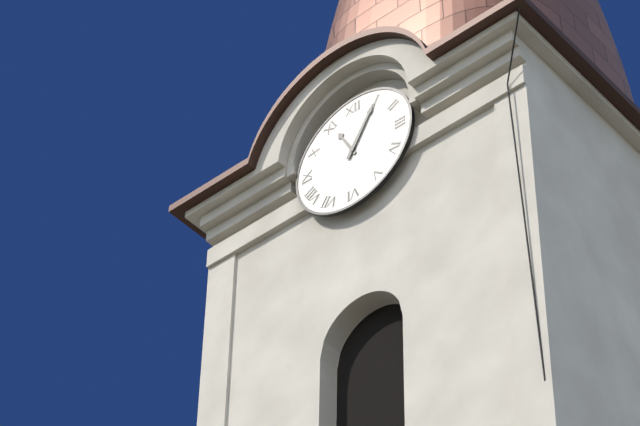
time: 11:05
